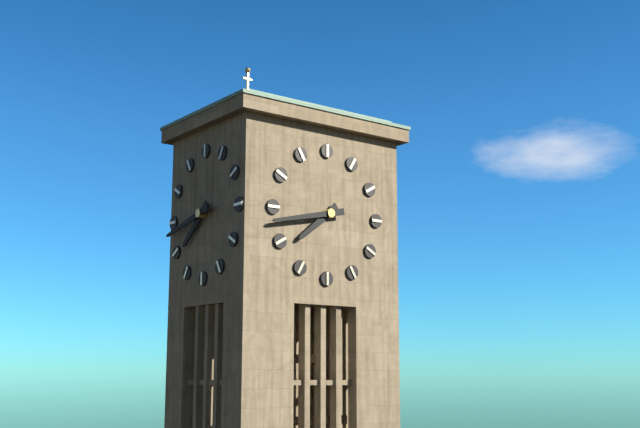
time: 7:43
